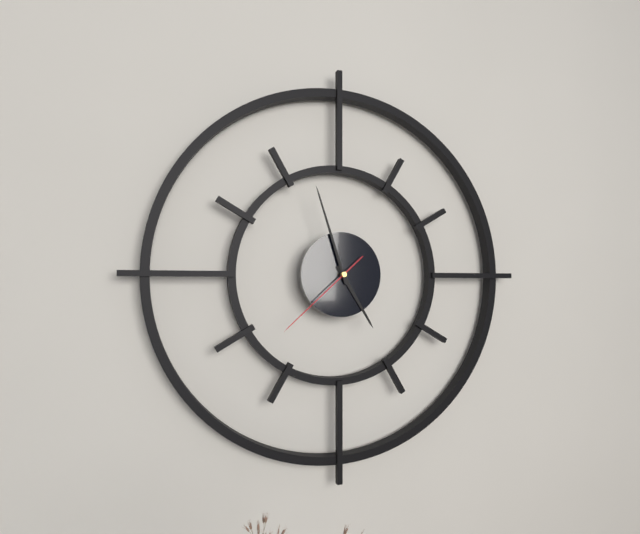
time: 4:57:38
